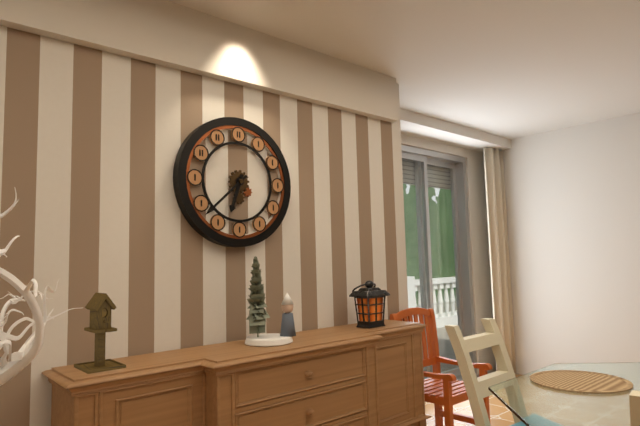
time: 6:38
